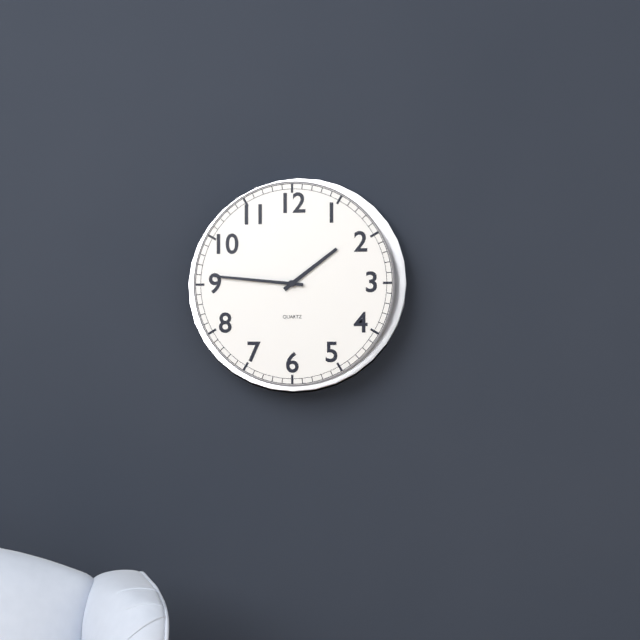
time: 1:46
